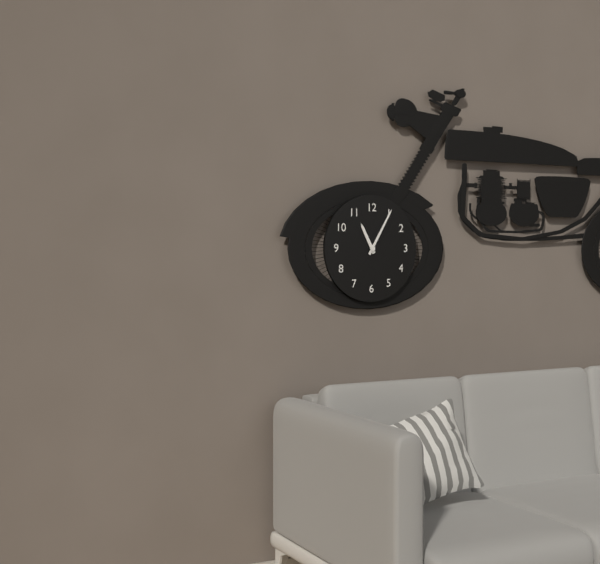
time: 11:05
